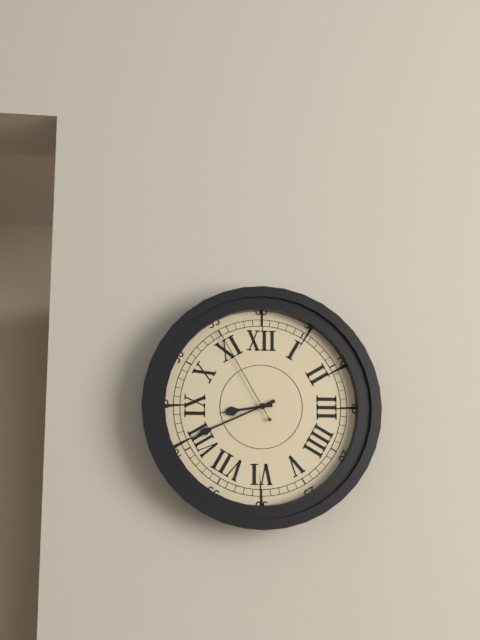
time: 8:41:55
